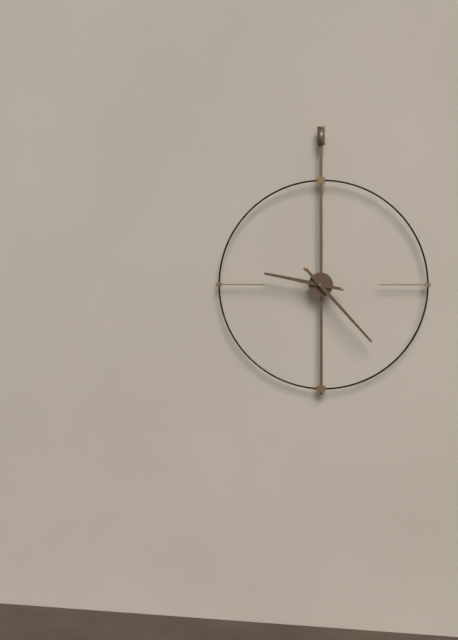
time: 9:23
